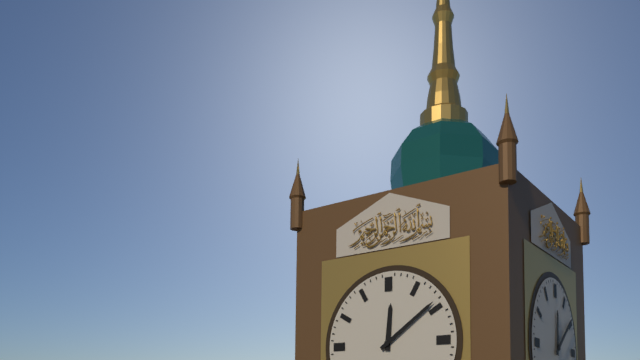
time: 12:09
